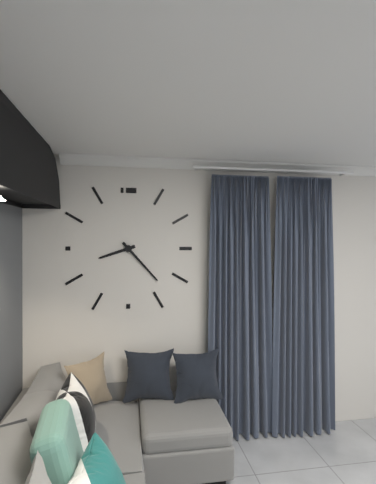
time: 8:23
